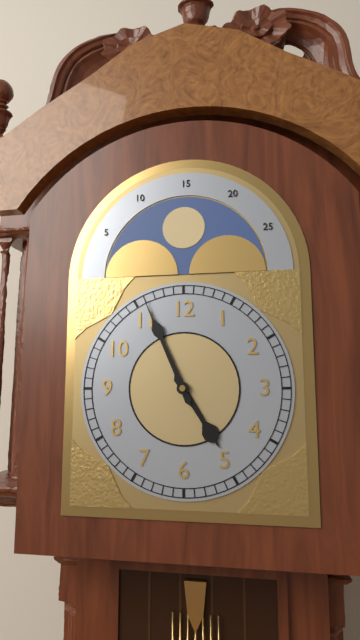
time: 4:56
